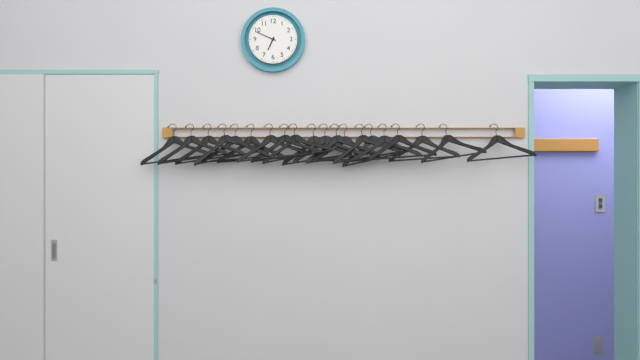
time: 6:49
